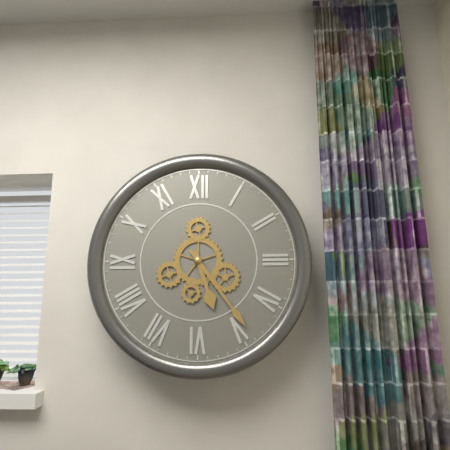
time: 5:24
